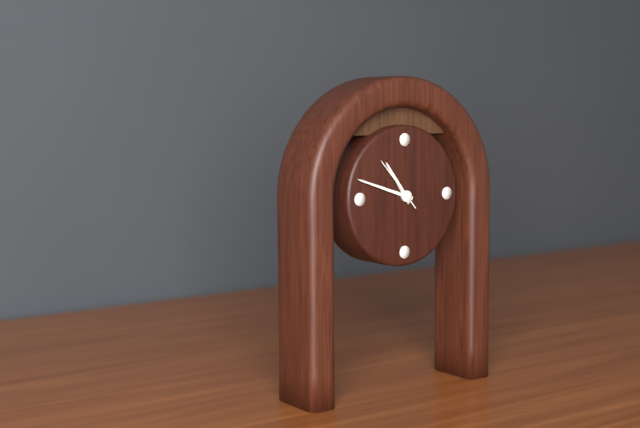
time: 10:48:53
